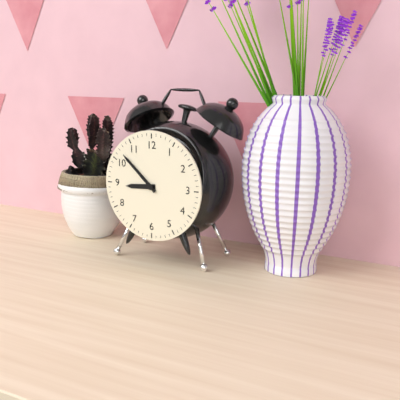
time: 8:52
